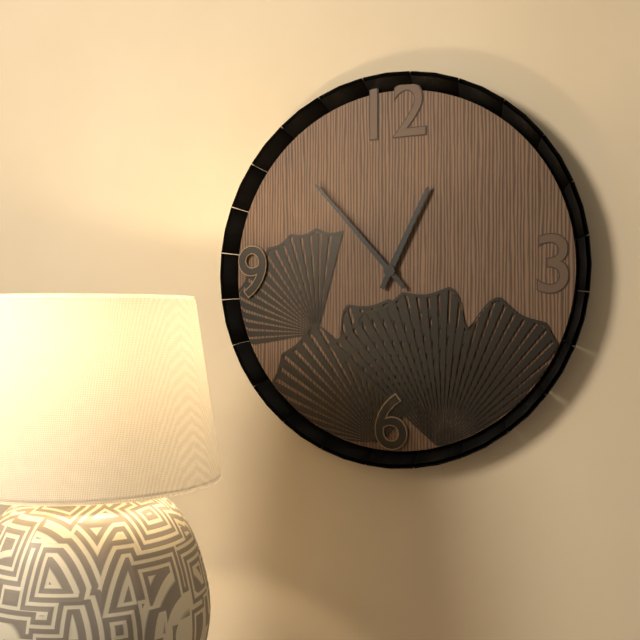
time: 12:53
